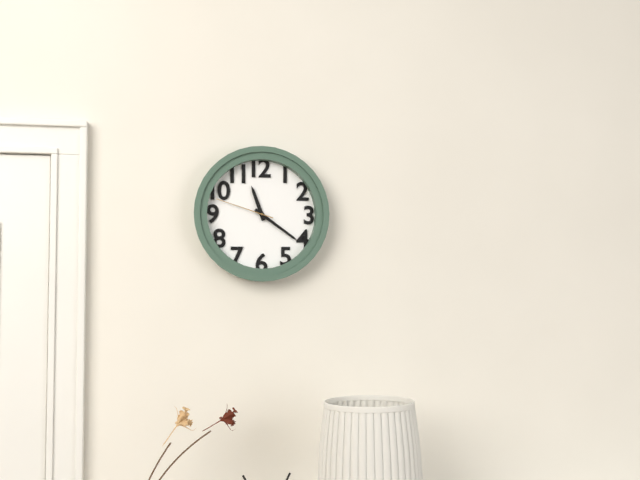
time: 11:21:48
